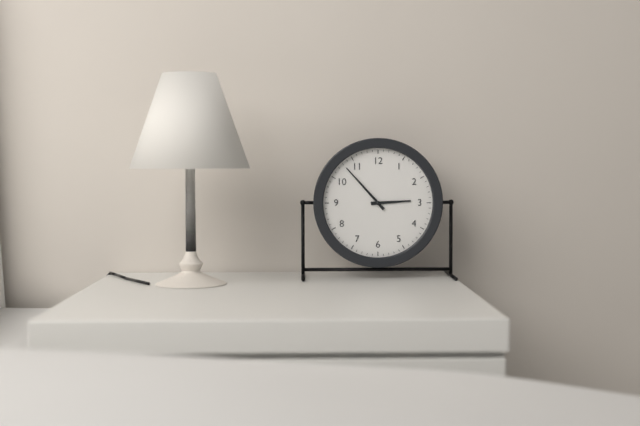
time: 2:53
